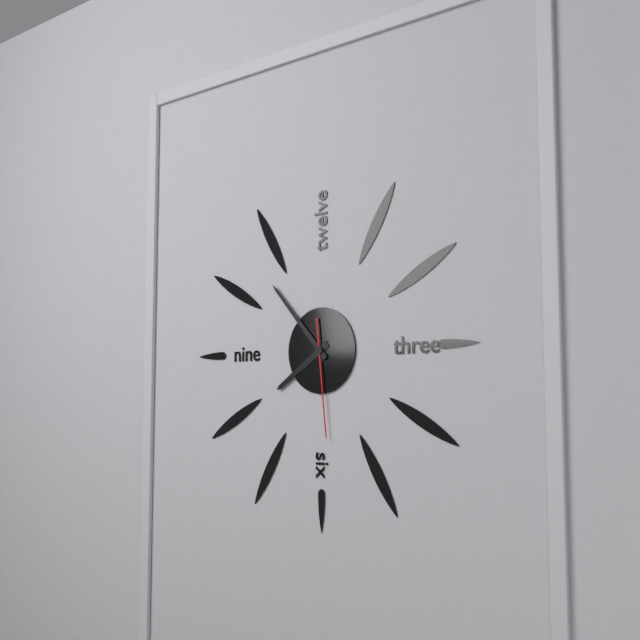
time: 7:53:29
